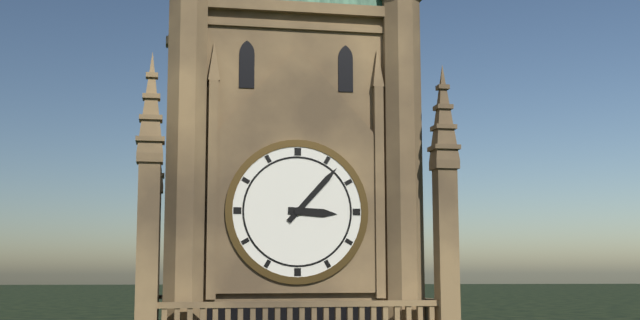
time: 3:07
